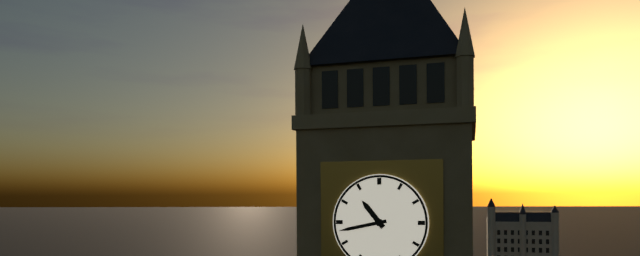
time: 10:43
